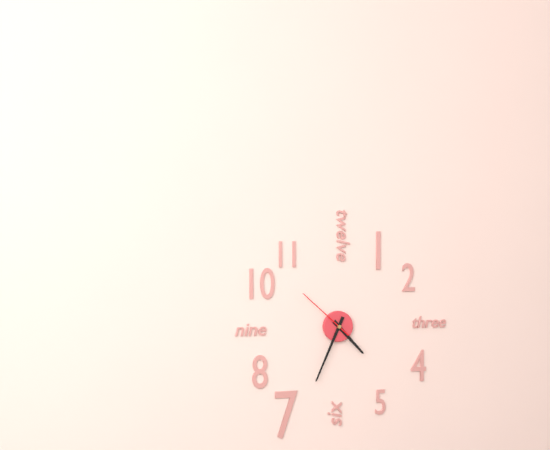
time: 4:34:52
